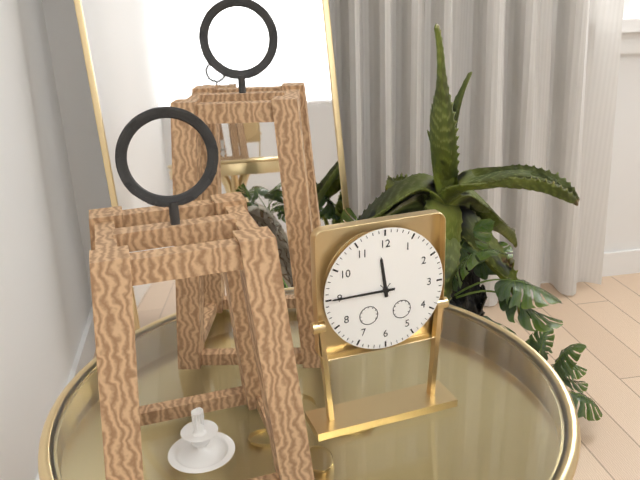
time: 11:45
